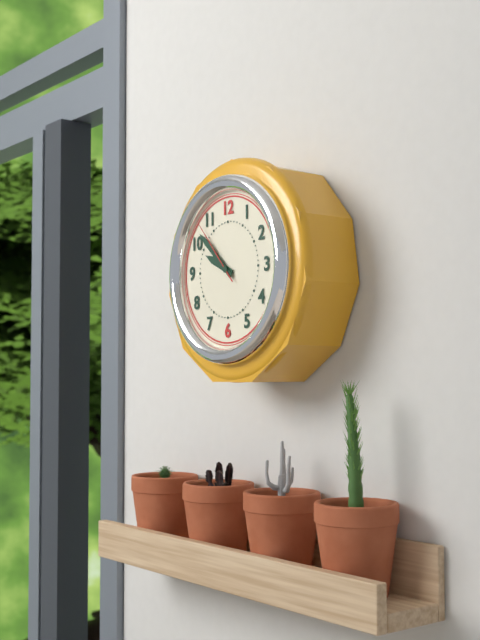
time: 9:52:53
